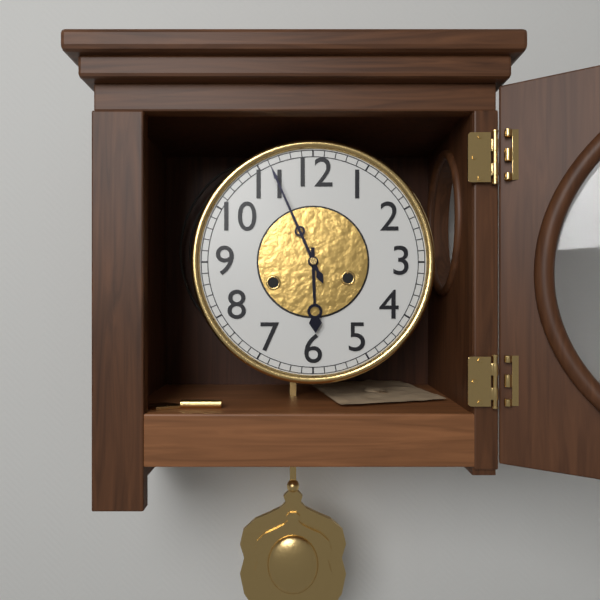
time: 5:56
